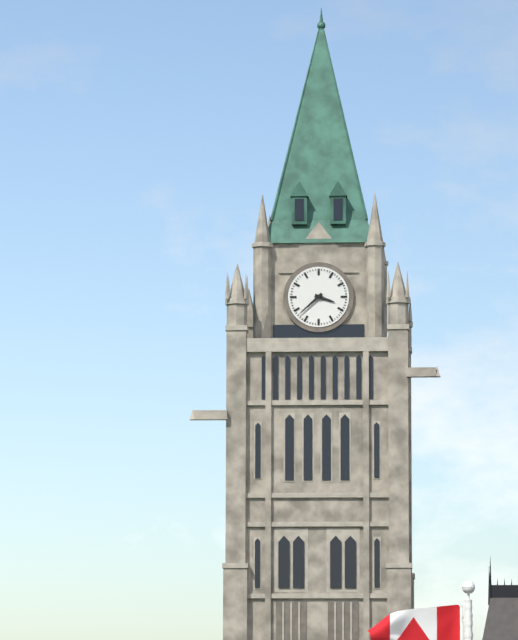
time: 3:38
